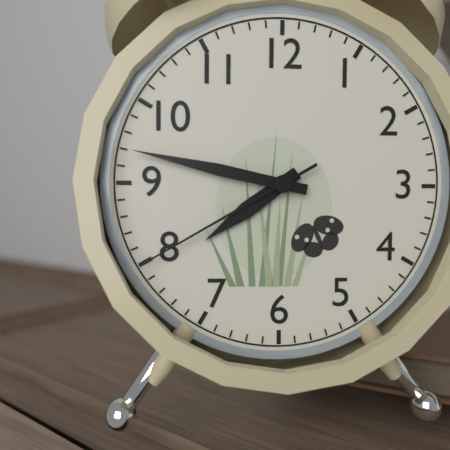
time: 7:47:40
